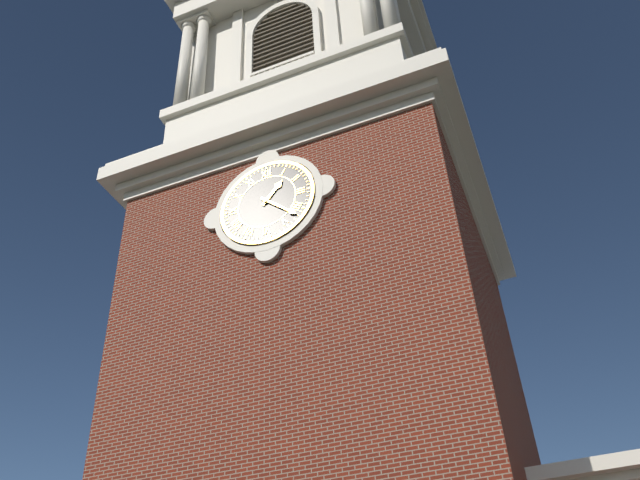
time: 1:22
